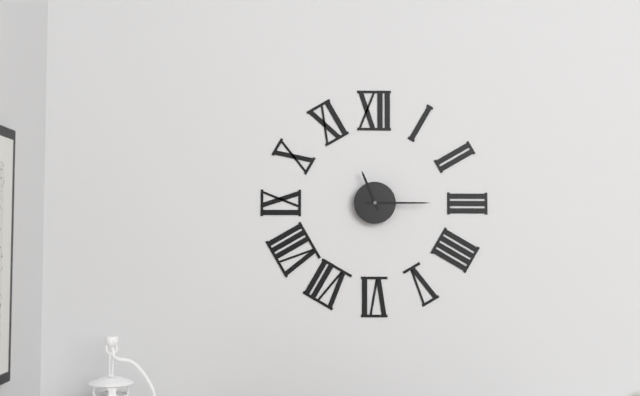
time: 11:15
